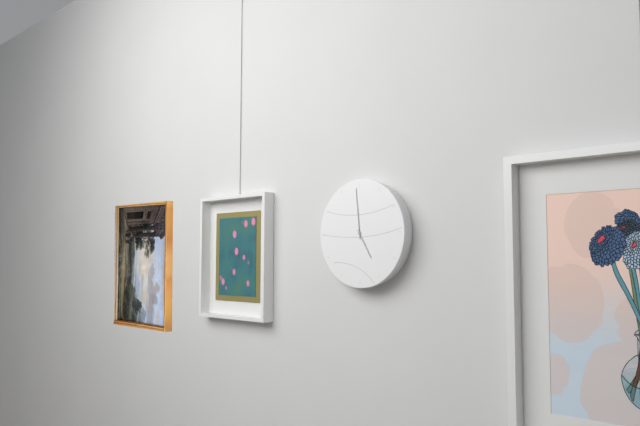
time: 4:59
